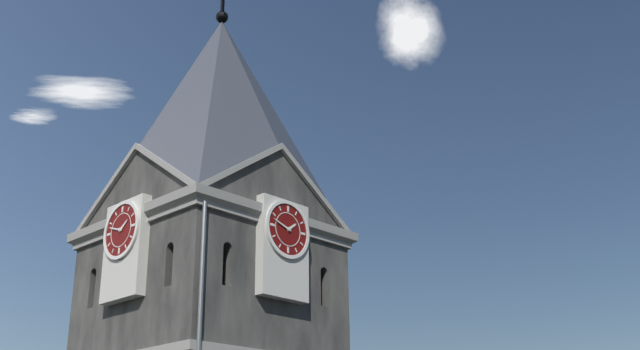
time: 1:48
